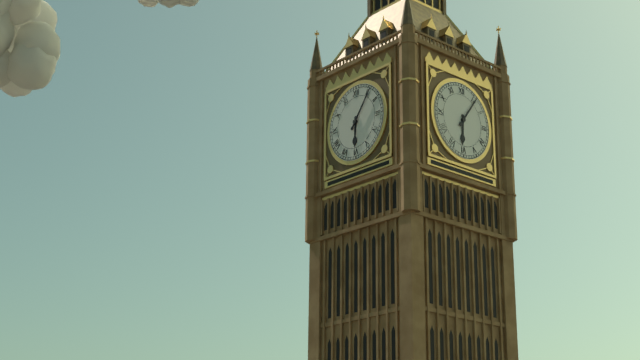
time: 6:06
